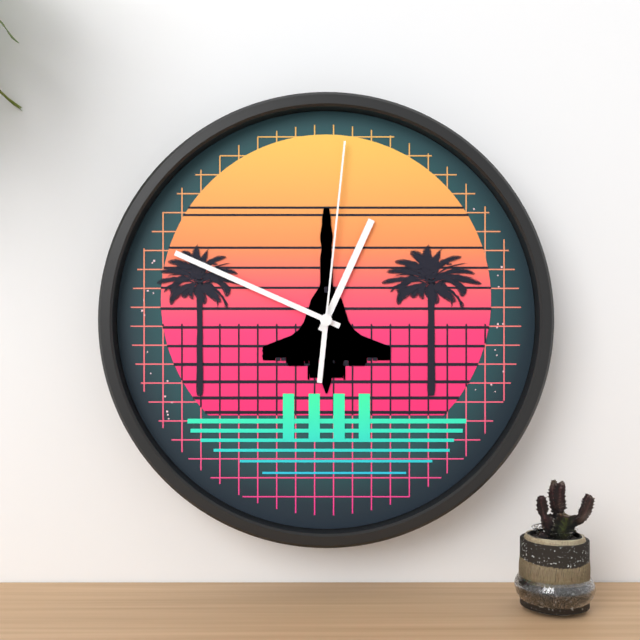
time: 12:49:01
